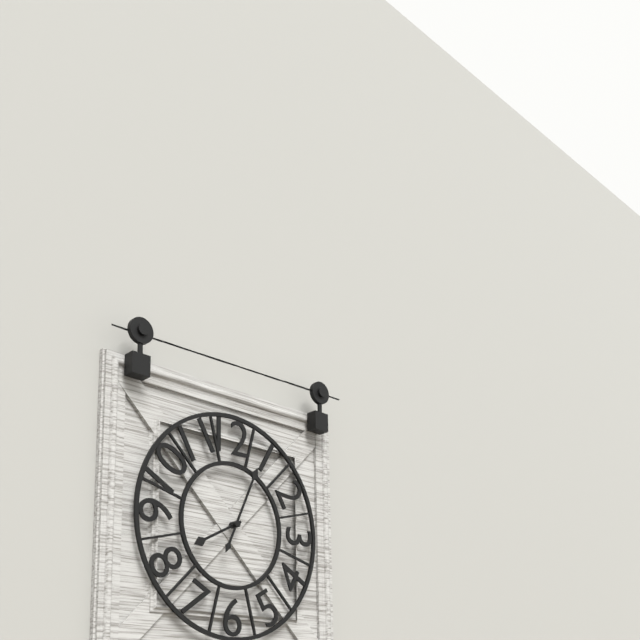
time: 8:04
